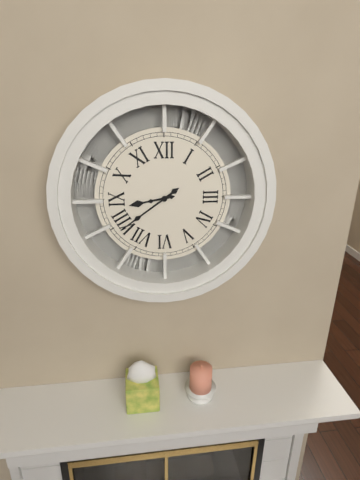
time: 8:39
